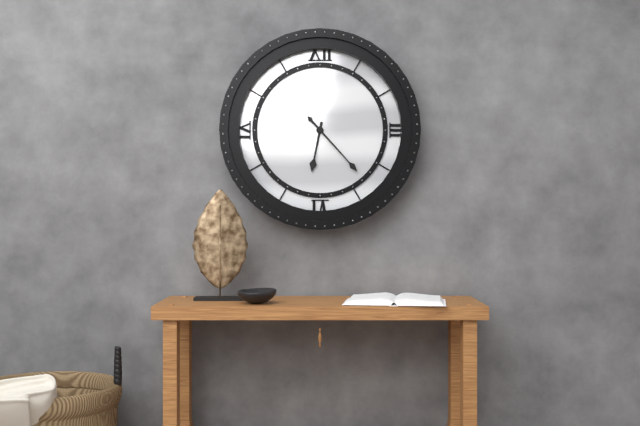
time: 6:23
